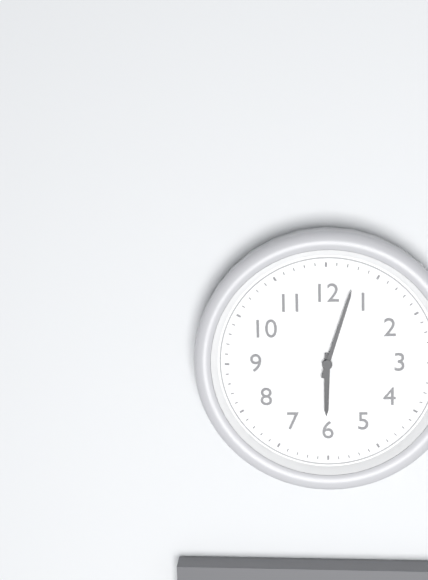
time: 6:03
